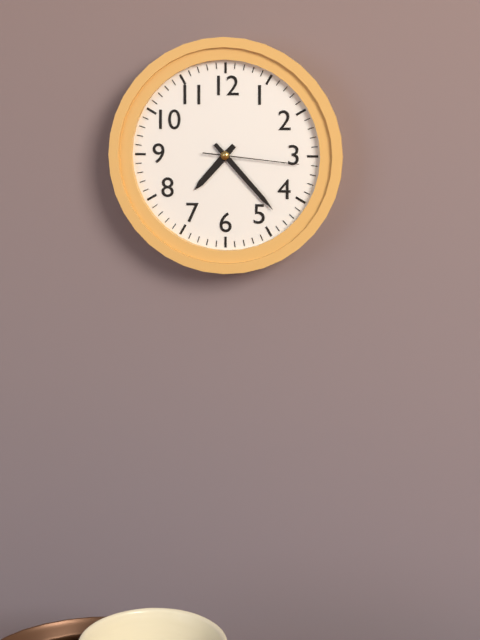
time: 7:23:16
